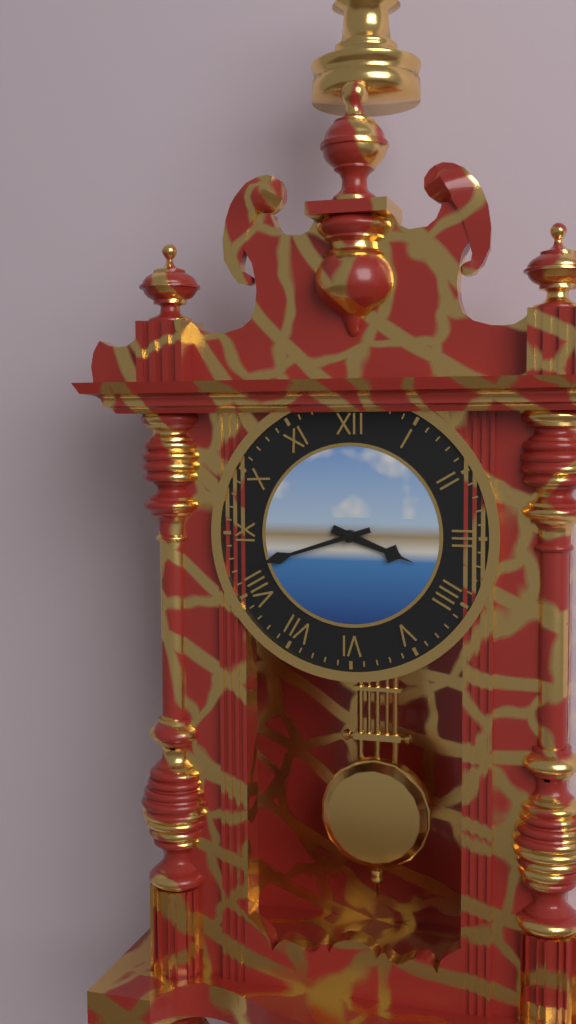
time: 3:42
